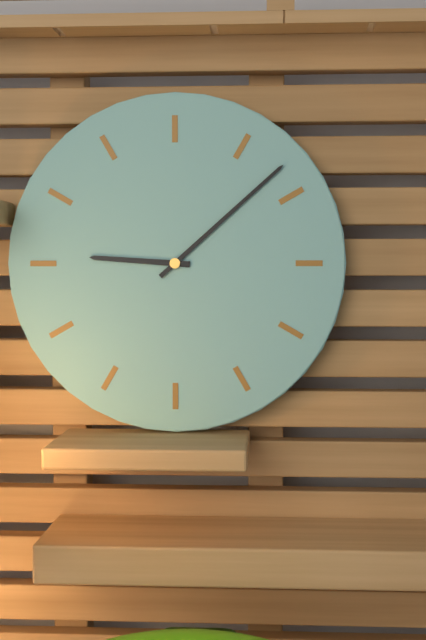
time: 9:08
